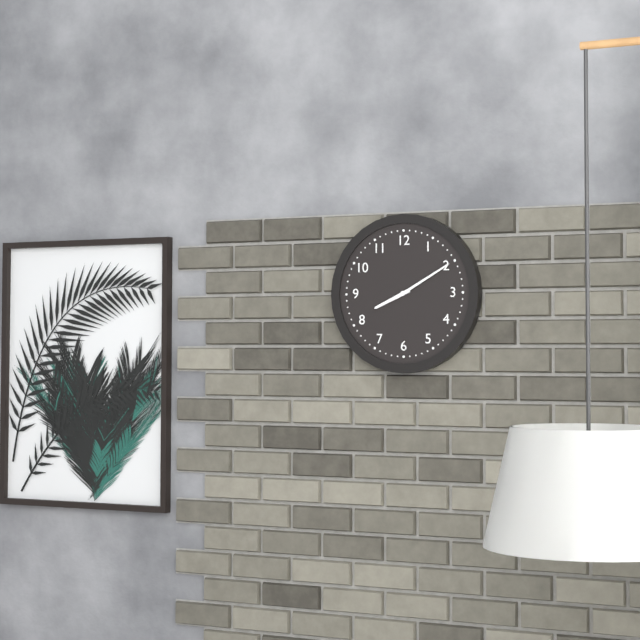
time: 8:10
